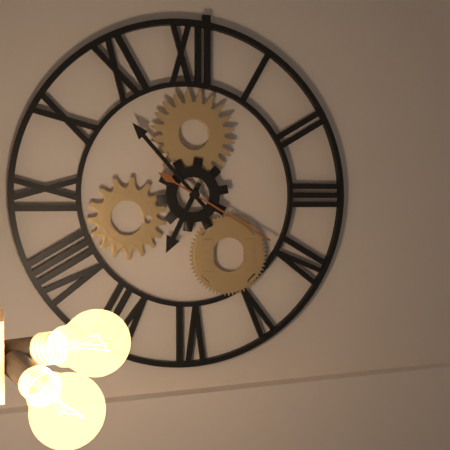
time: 6:53:20
